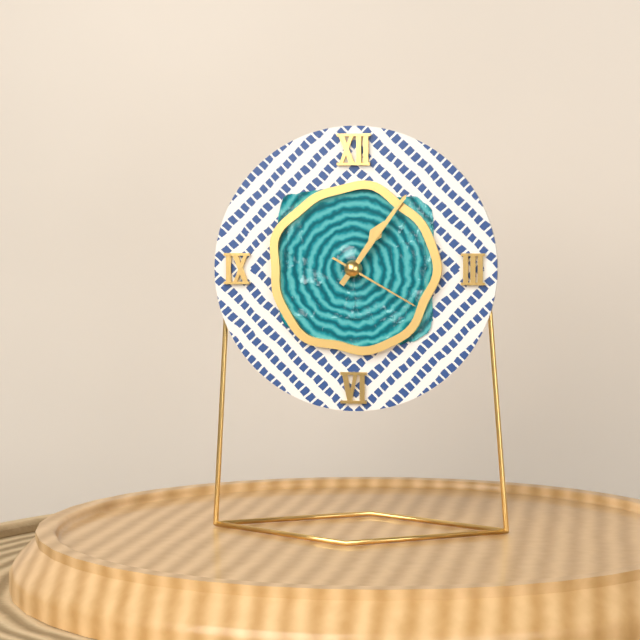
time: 1:06:20
